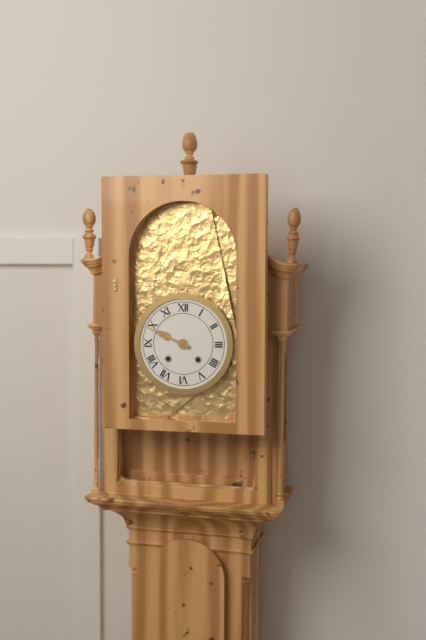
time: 9:49
